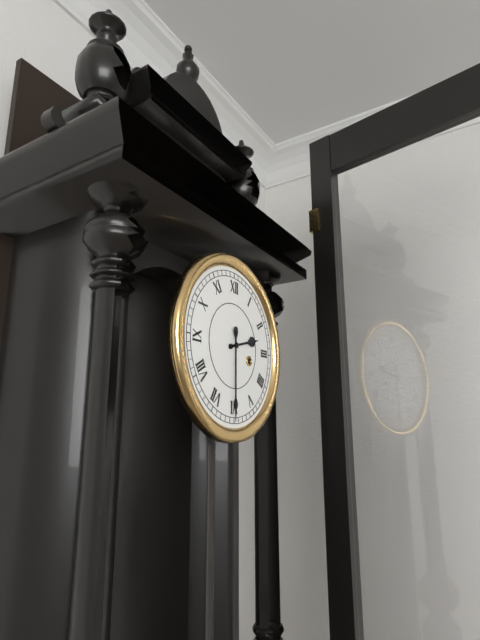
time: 2:30
